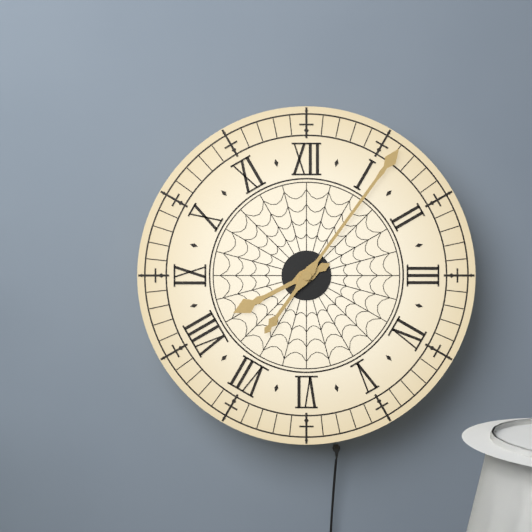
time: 8:06
